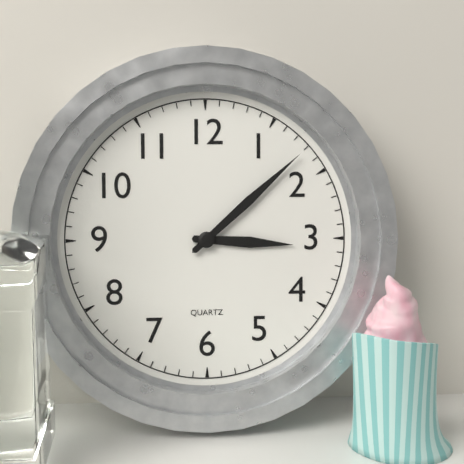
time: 3:08
